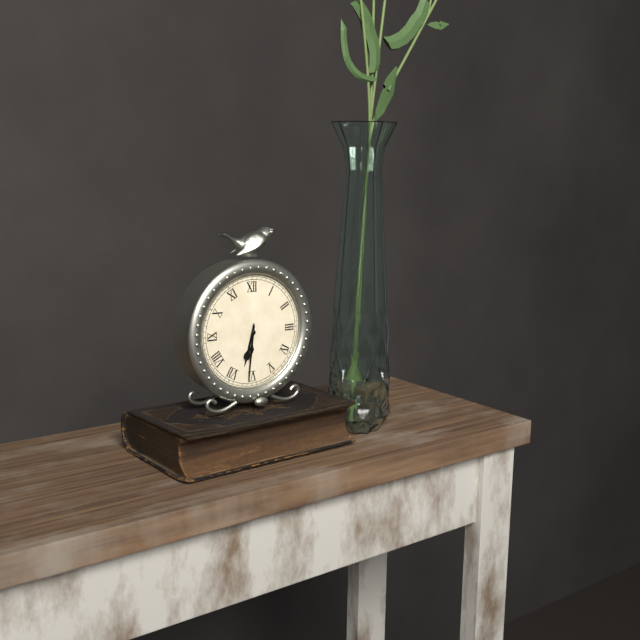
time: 6:31
